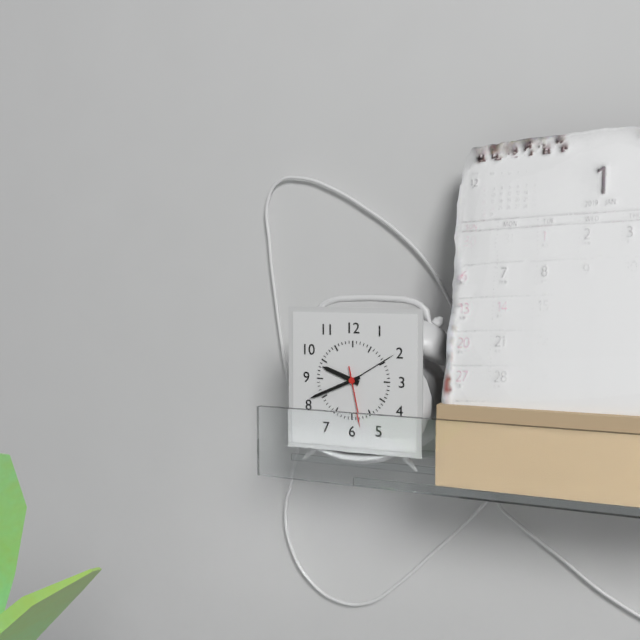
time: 9:41:28
